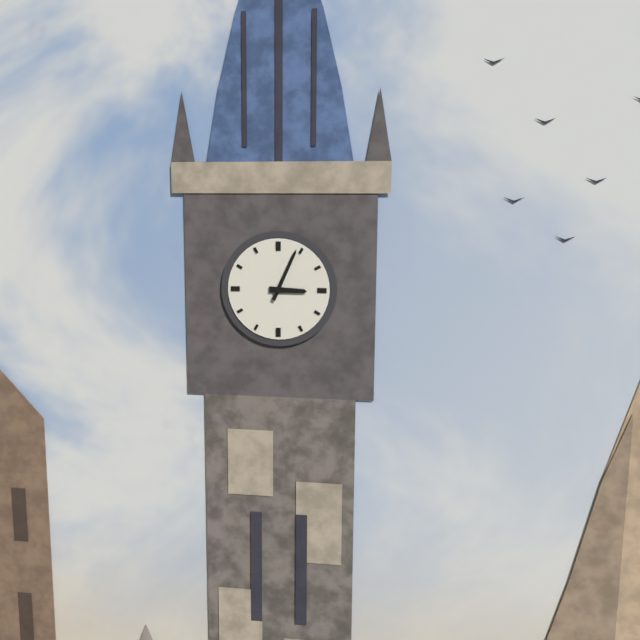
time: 3:04
